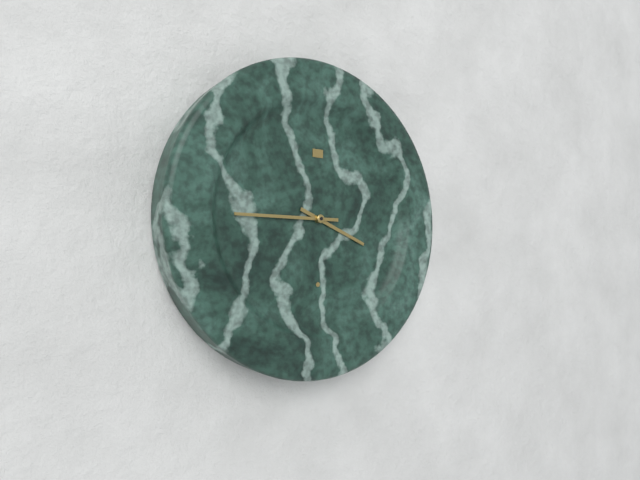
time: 3:45
